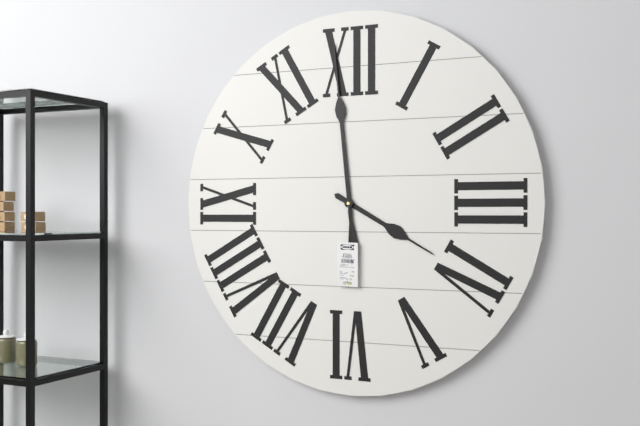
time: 3:59
